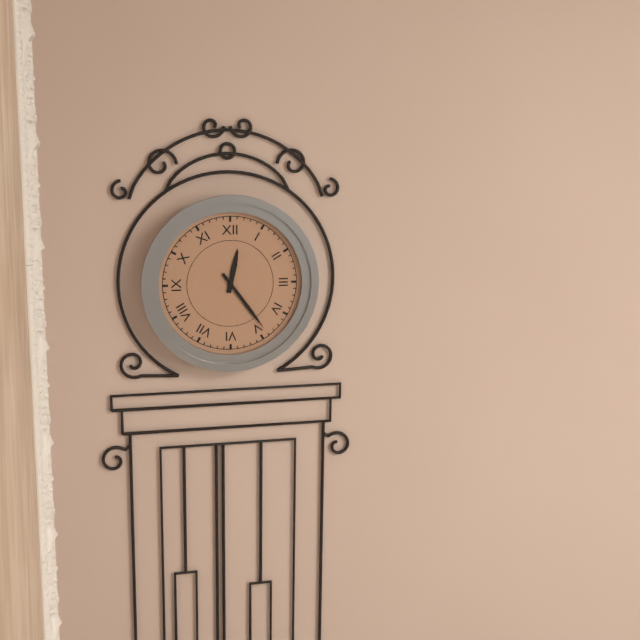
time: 12:24
